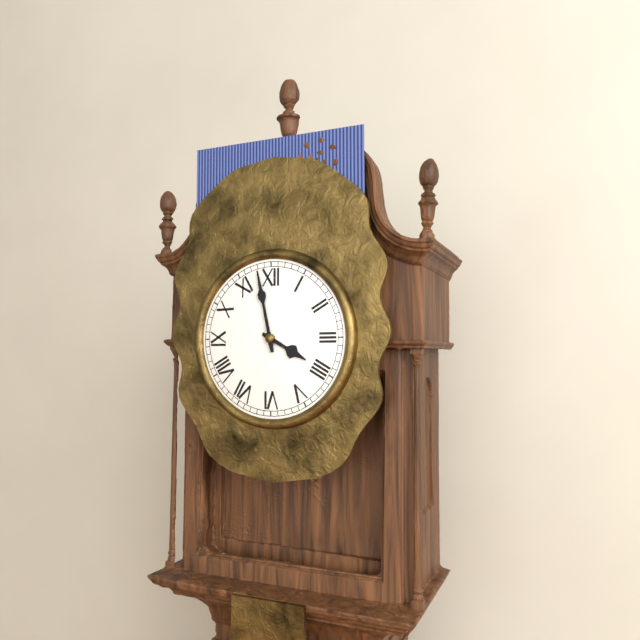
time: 3:58
